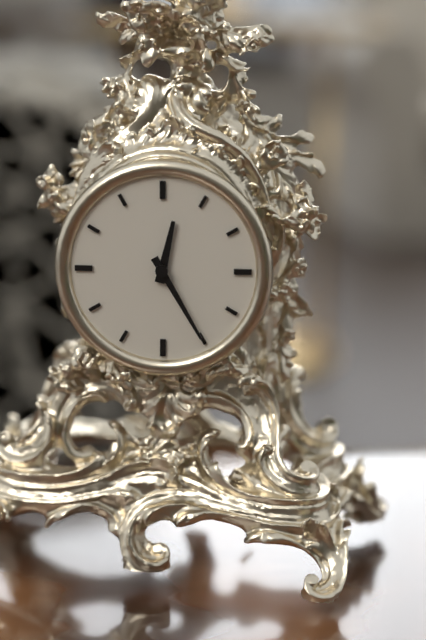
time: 12:25
